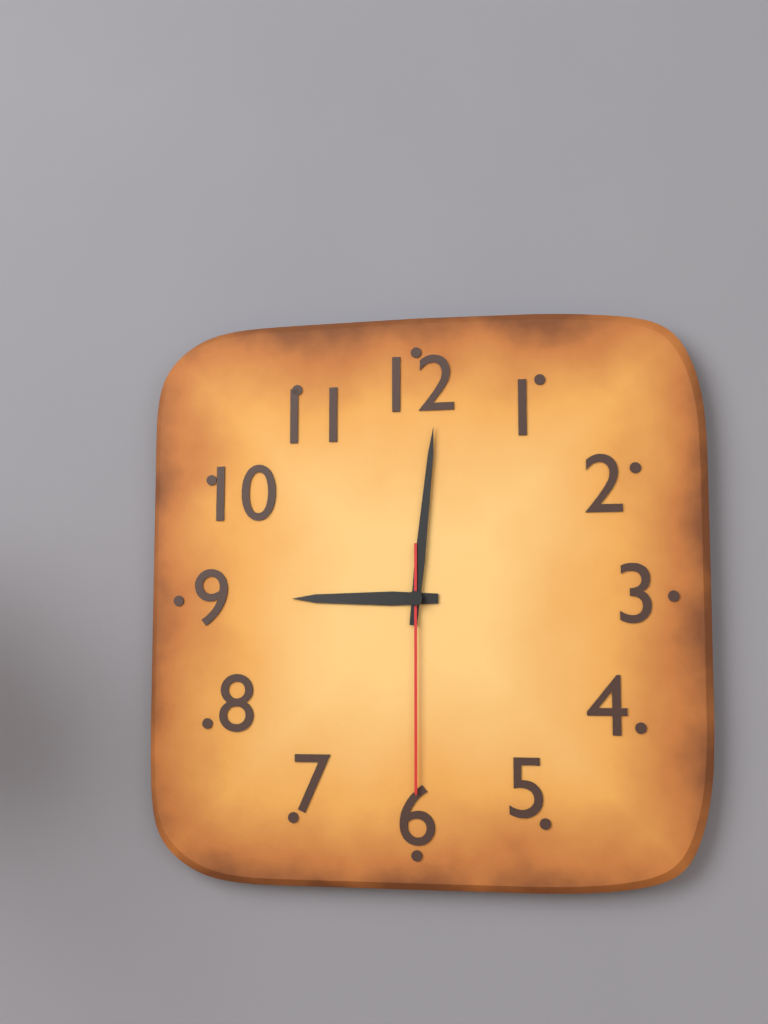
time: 9:01:30
